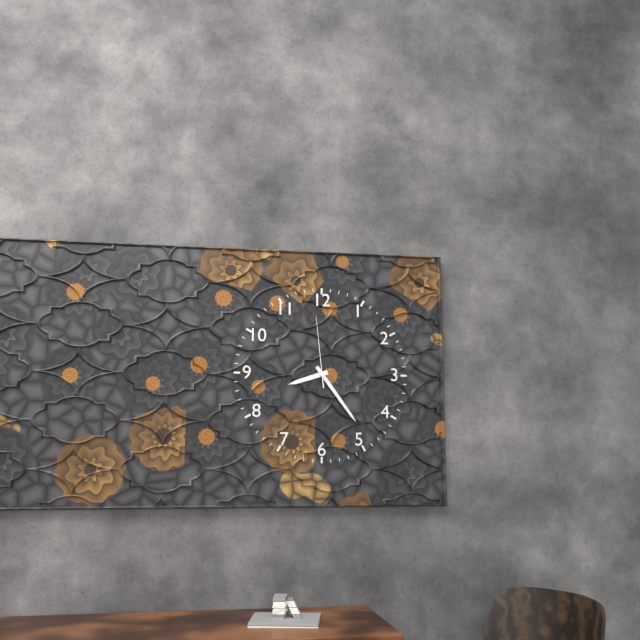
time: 8:24:59
